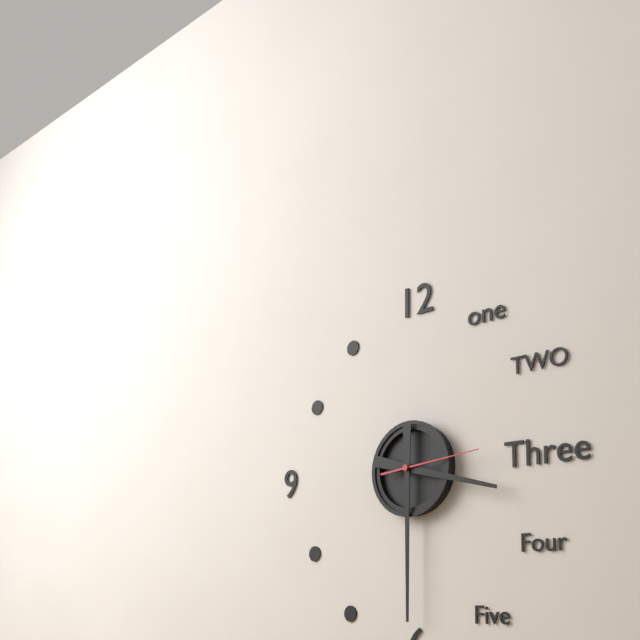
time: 3:30:14
